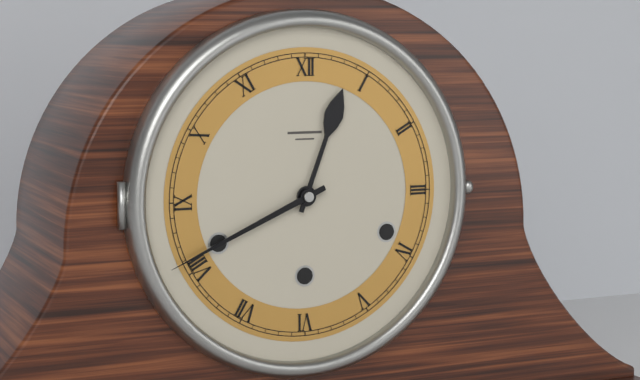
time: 12:41
